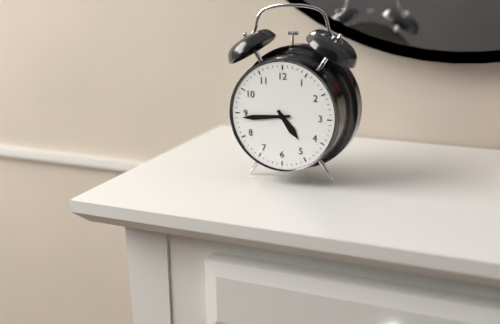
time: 4:44
